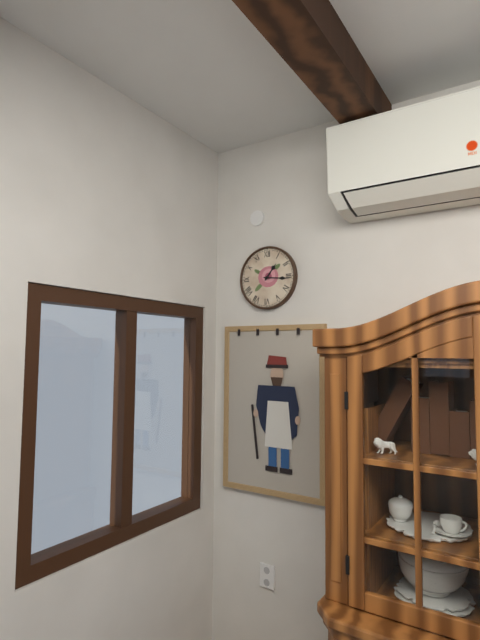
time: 1:16
